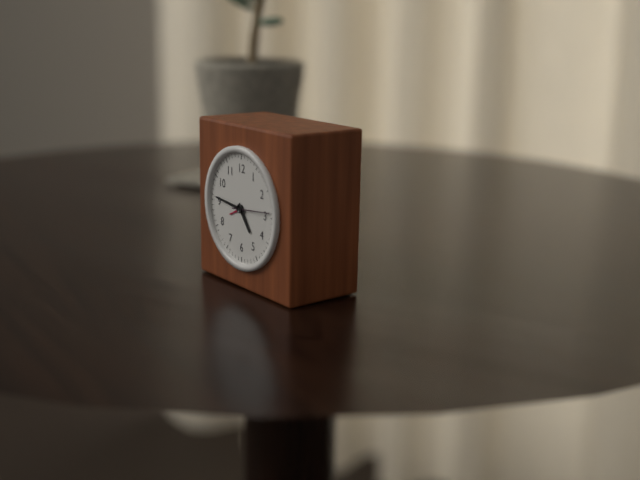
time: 4:46
